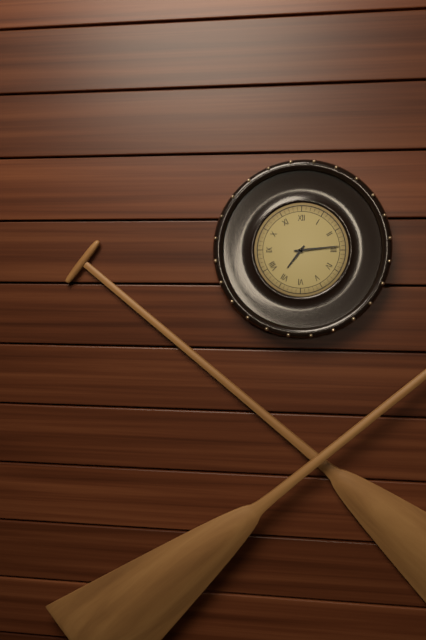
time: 7:14
